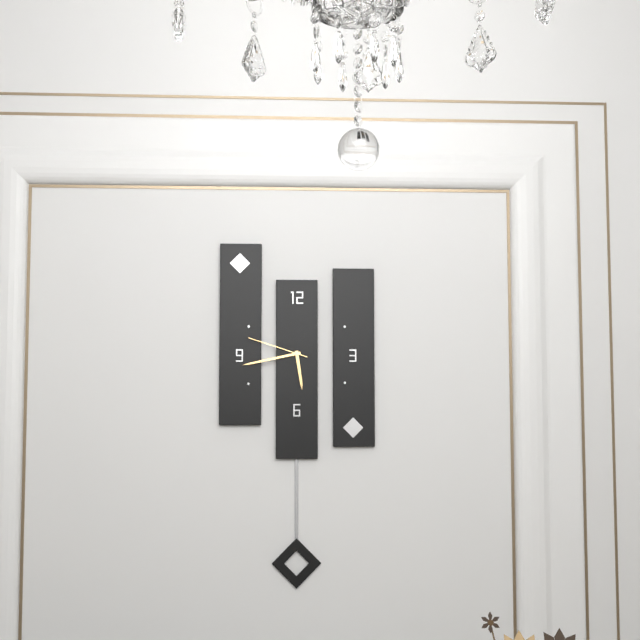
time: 5:43:48
